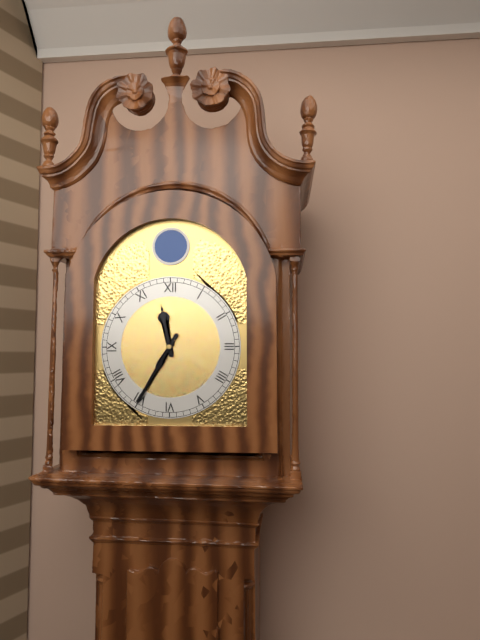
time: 11:35
